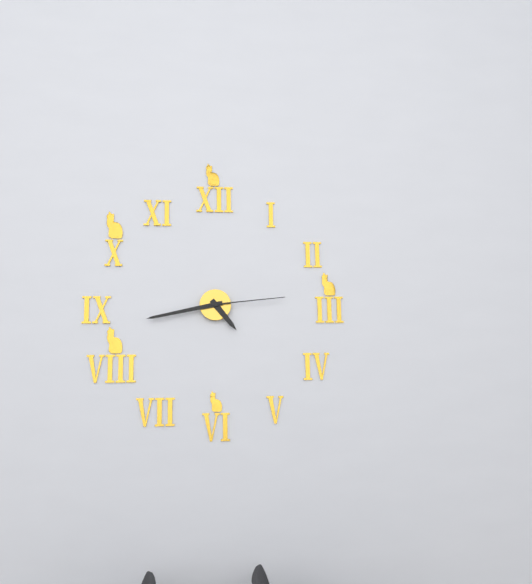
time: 4:43:14
